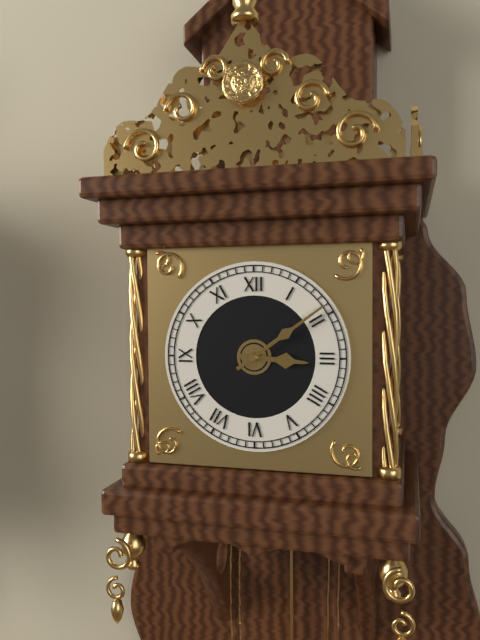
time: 3:09
